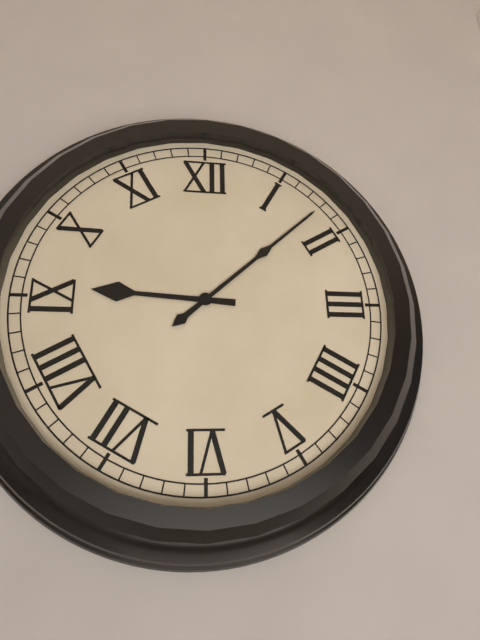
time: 9:08
